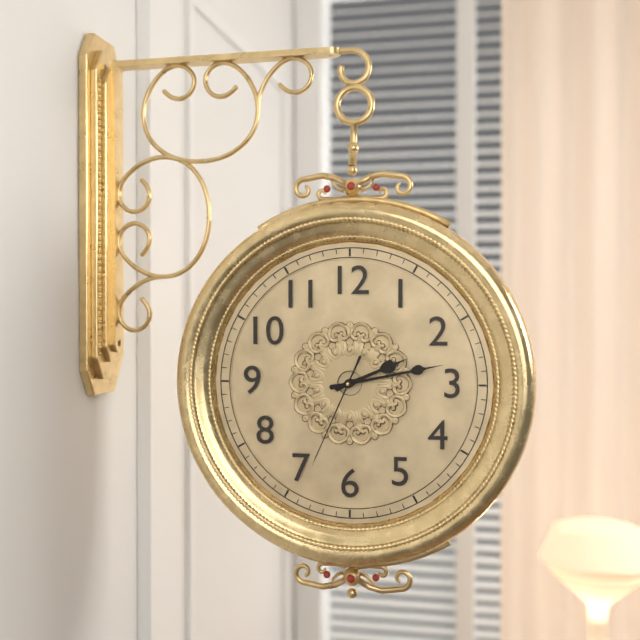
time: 2:13:34
